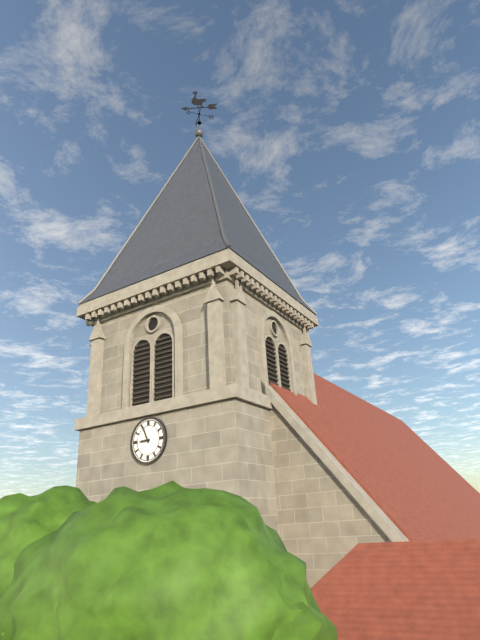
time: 8:56
